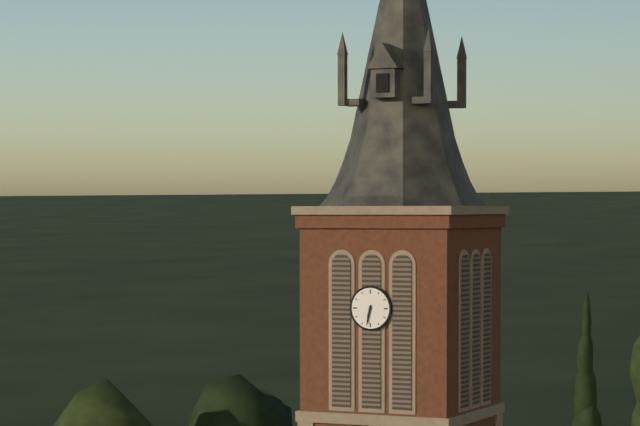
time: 6:32
